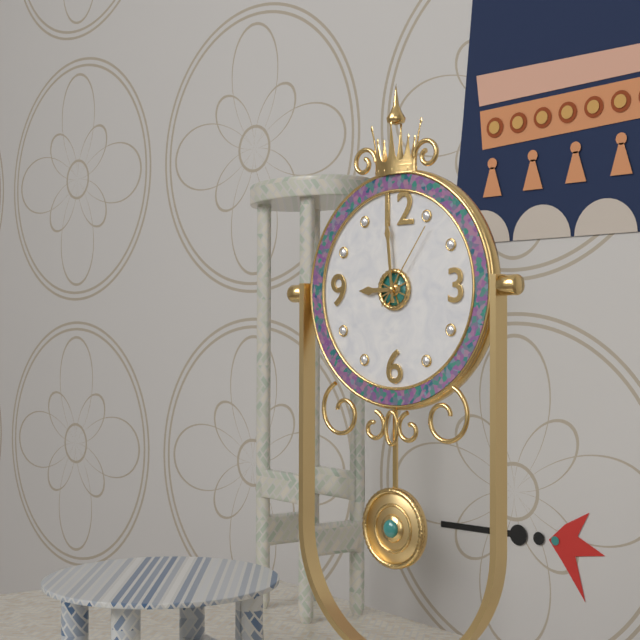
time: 8:59:06
